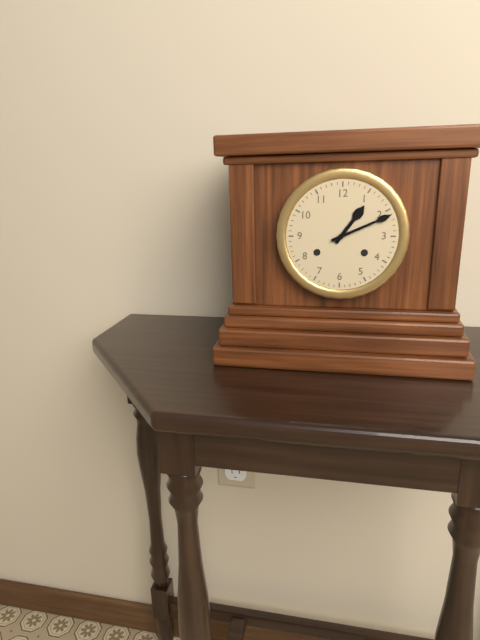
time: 1:11
